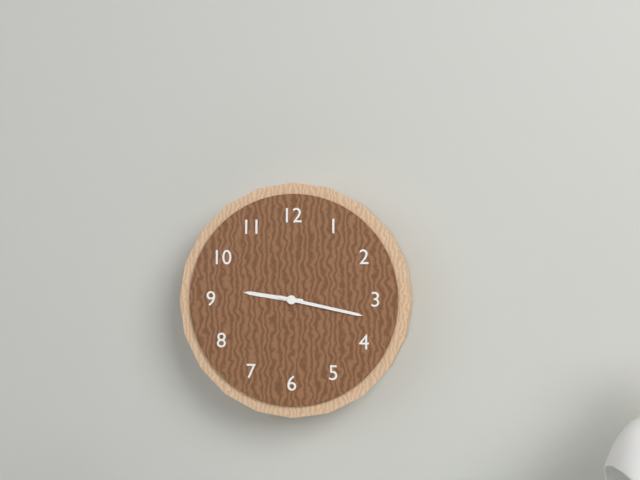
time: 9:17
